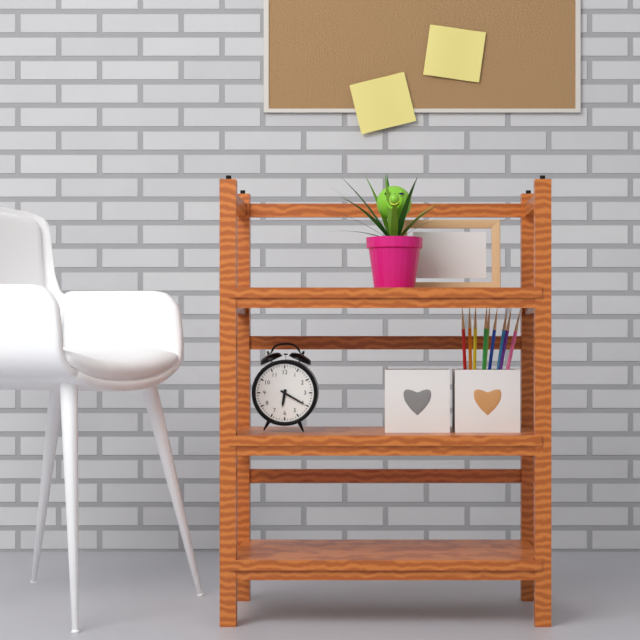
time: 6:20
